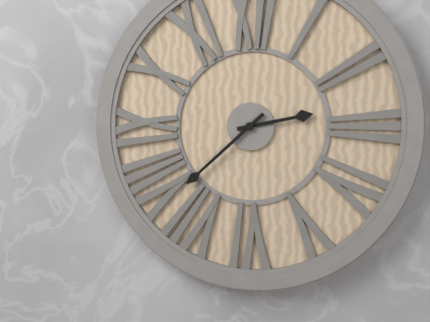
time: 2:38
